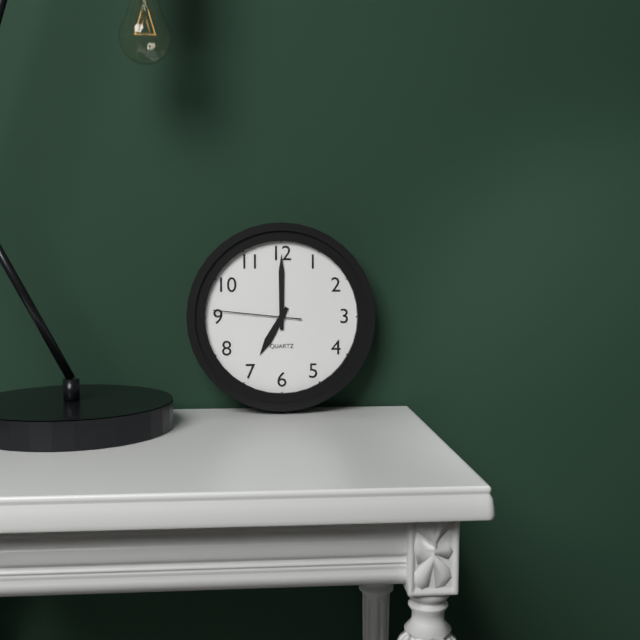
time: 7:00:46
